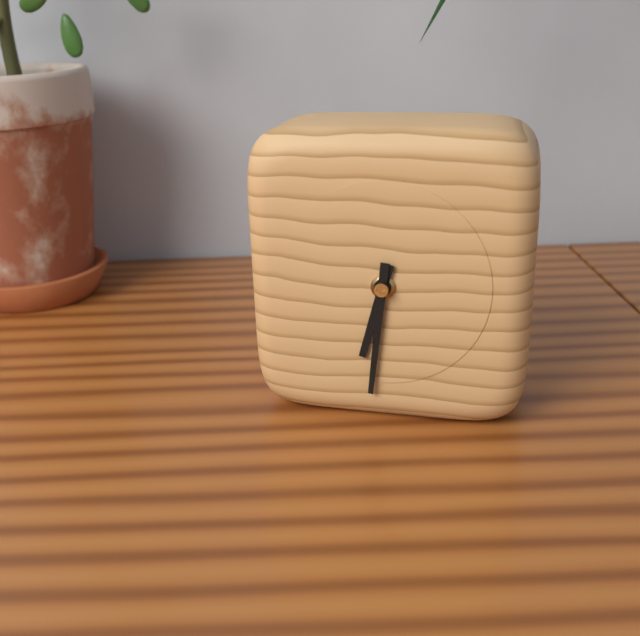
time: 6:31
